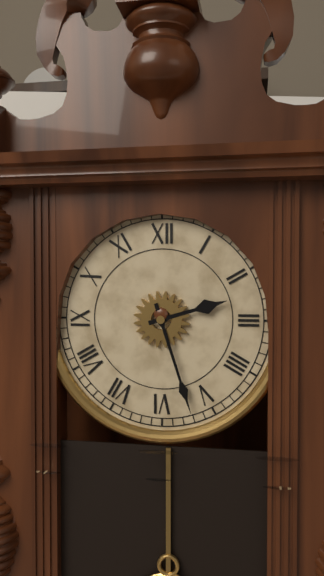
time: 2:27
